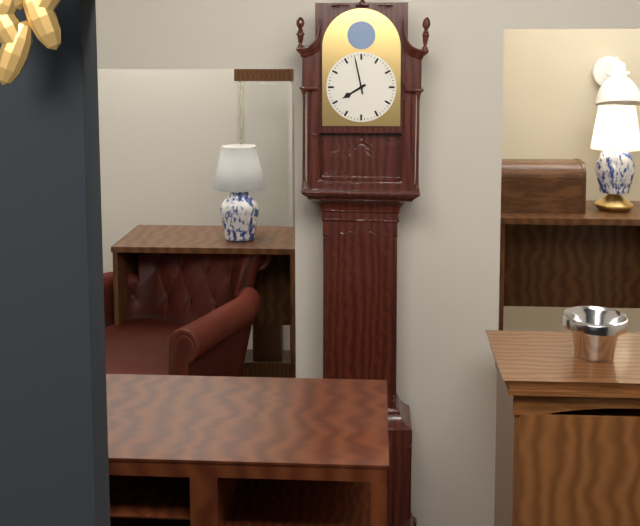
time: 7:58
